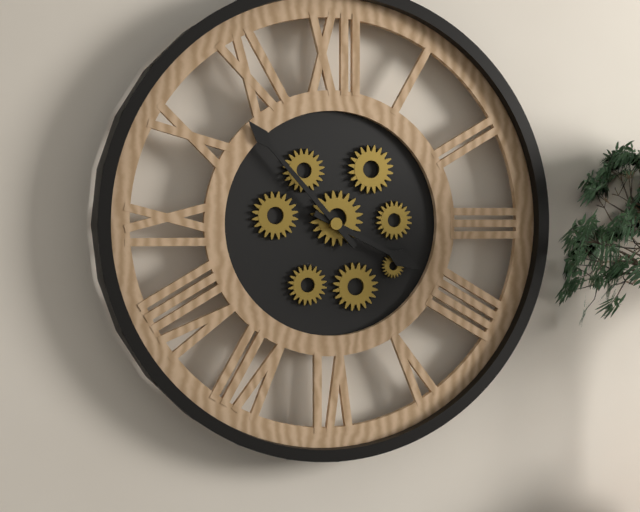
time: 3:53
